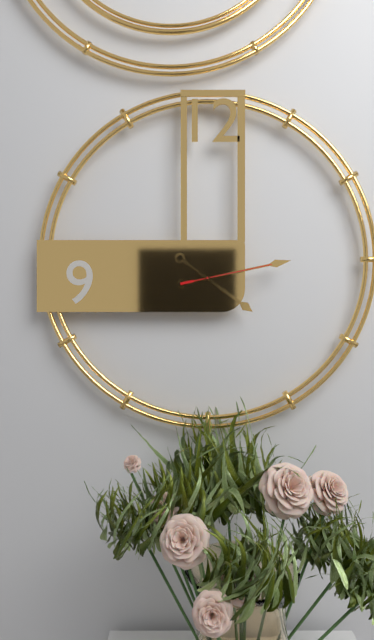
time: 4:13:13
